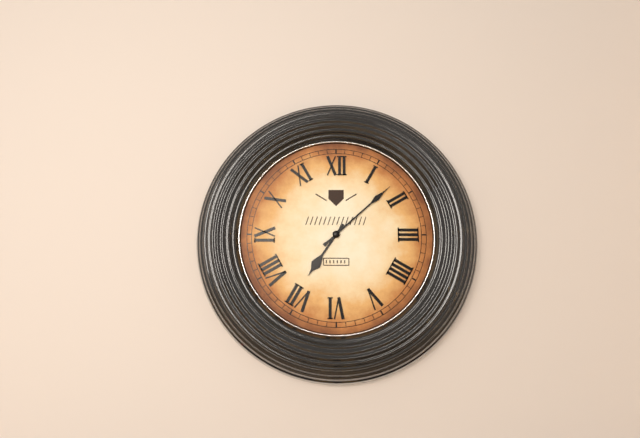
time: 7:08
